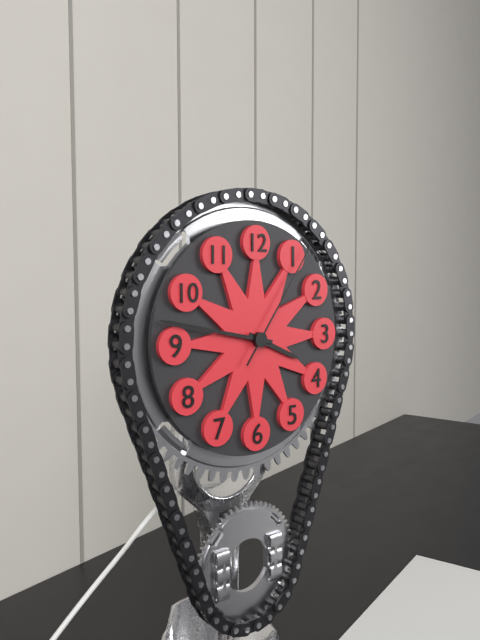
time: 3:47:06
